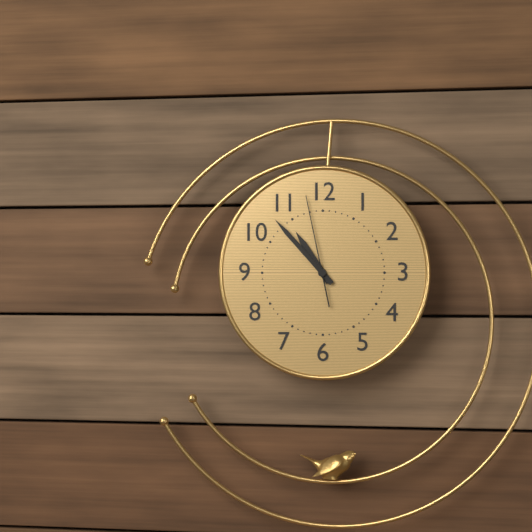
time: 10:53:58
